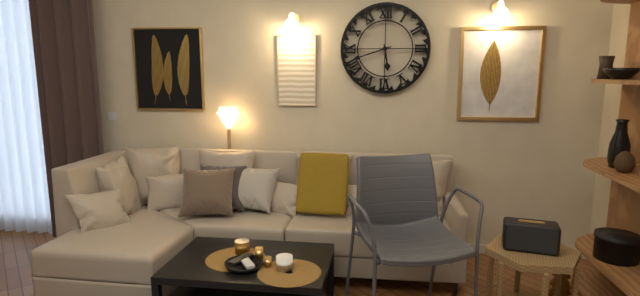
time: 5:42
